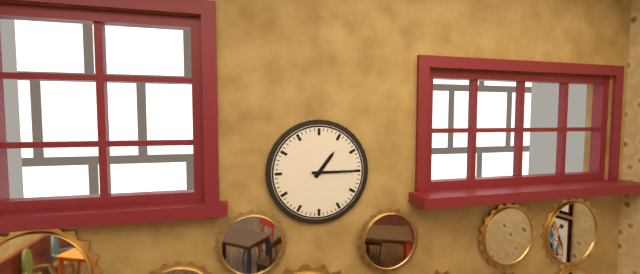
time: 1:15
